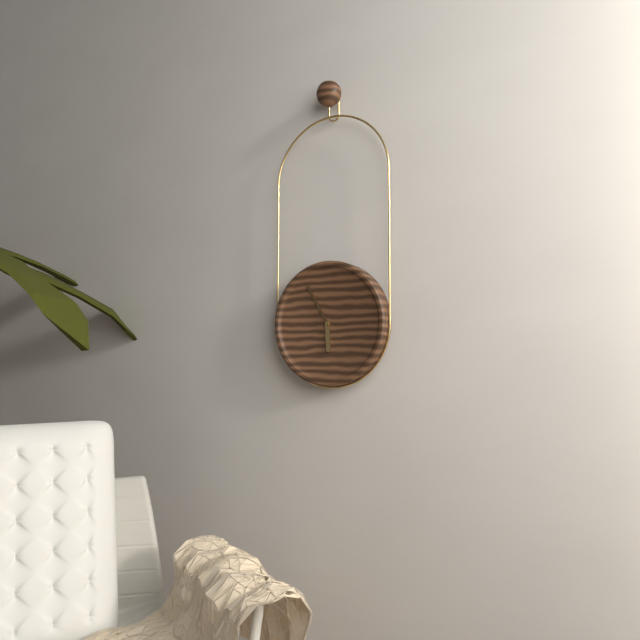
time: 5:55
